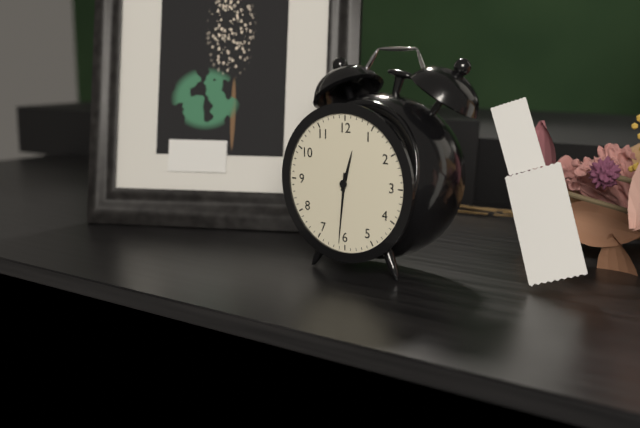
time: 12:31
